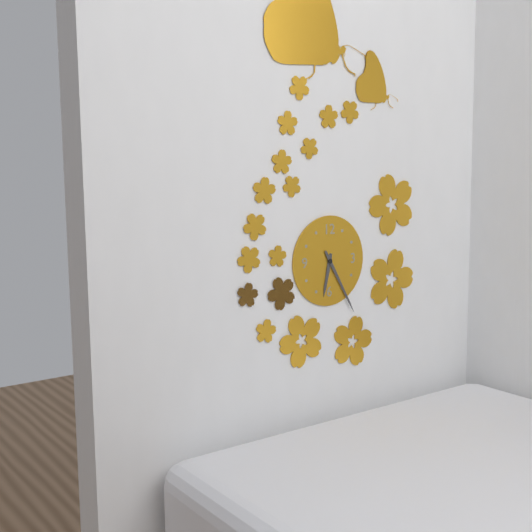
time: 6:25
